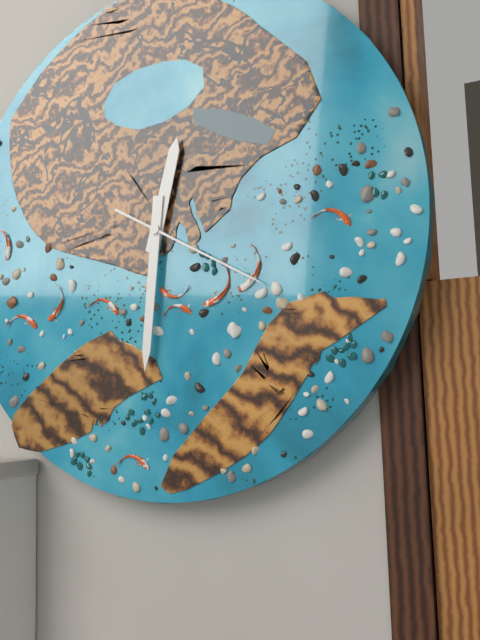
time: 12:31:20
